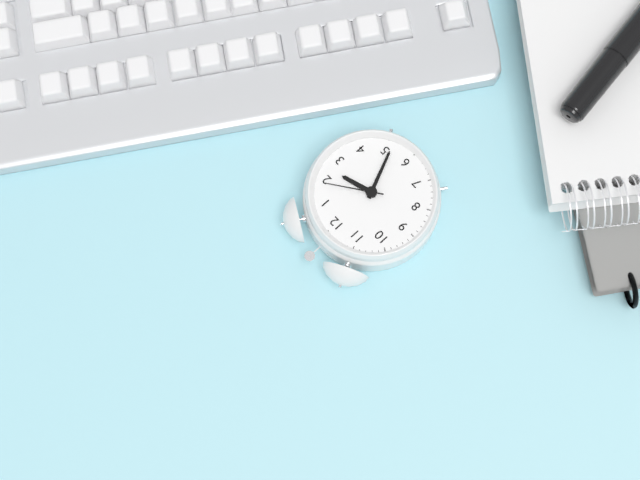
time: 2:26:09
